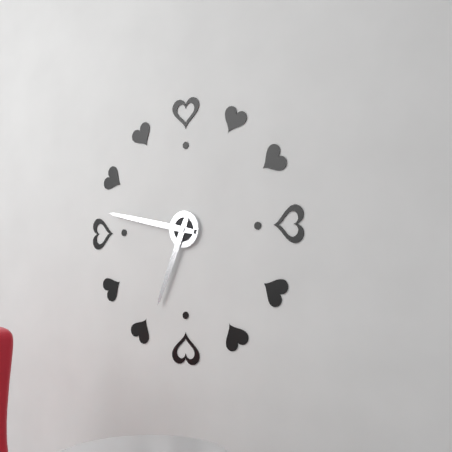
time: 6:47
